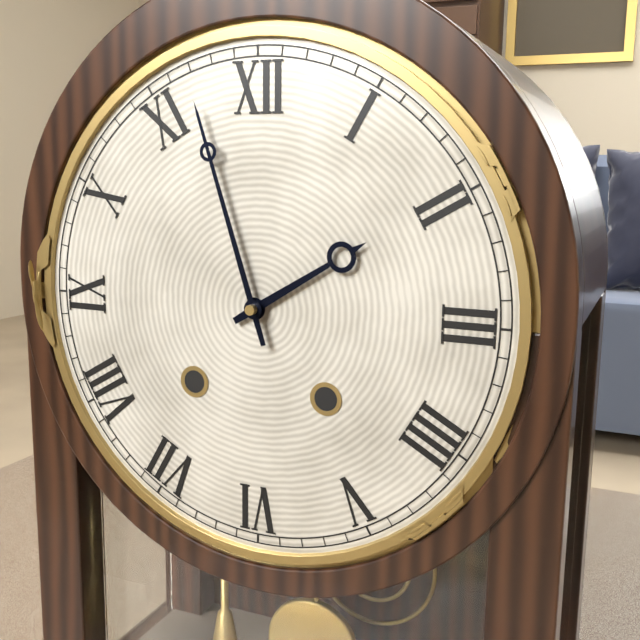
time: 1:57
